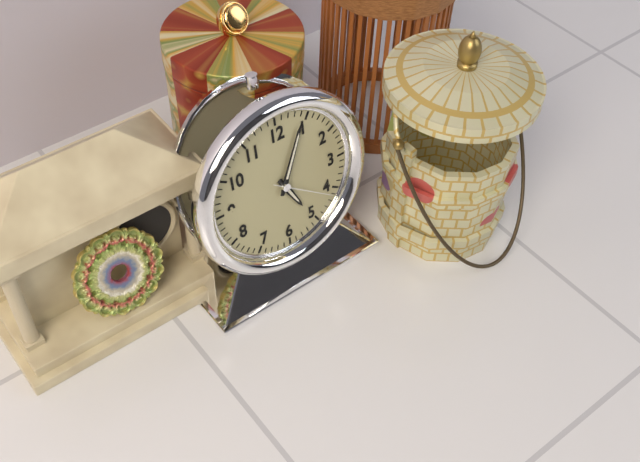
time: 5:04:21
